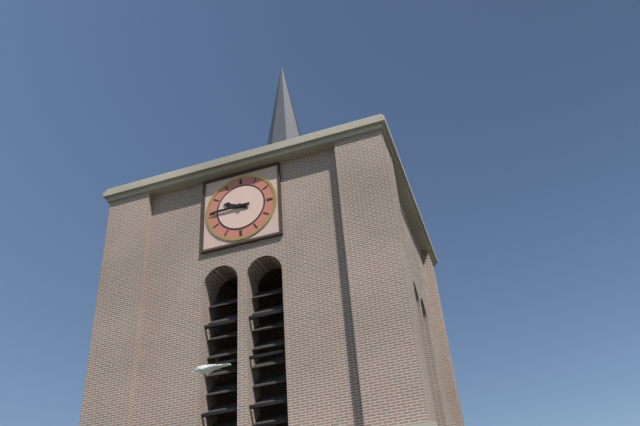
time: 9:45
